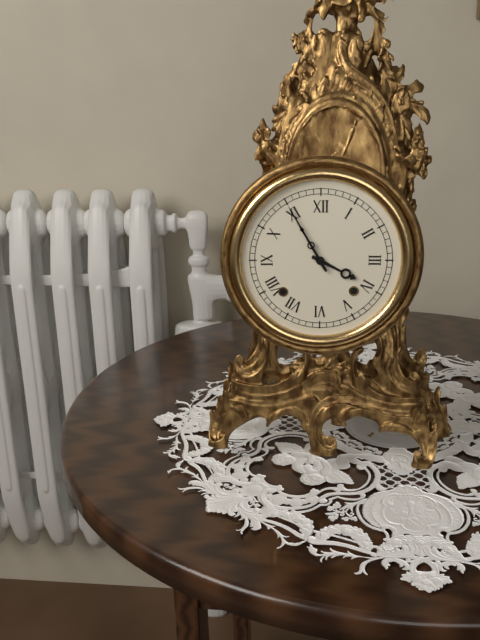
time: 3:55
